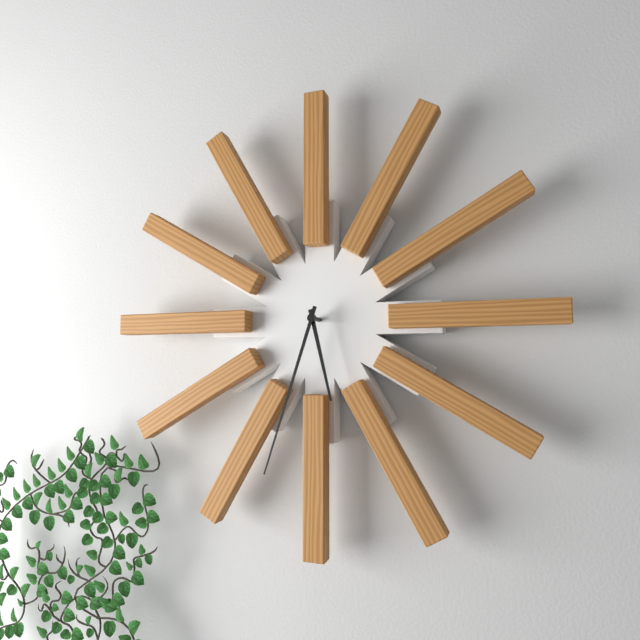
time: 5:33
